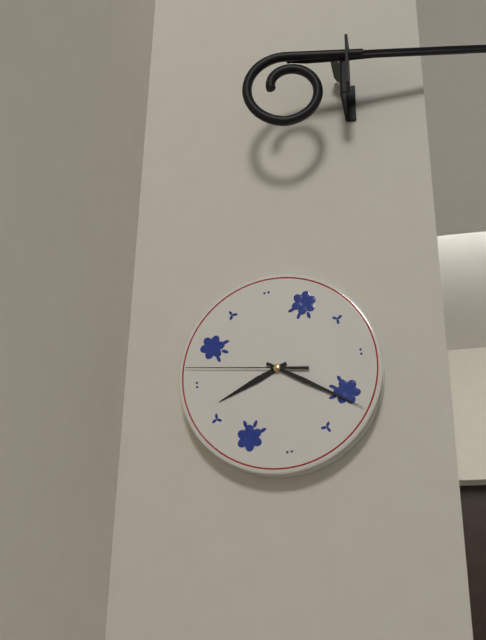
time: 8:21:47
